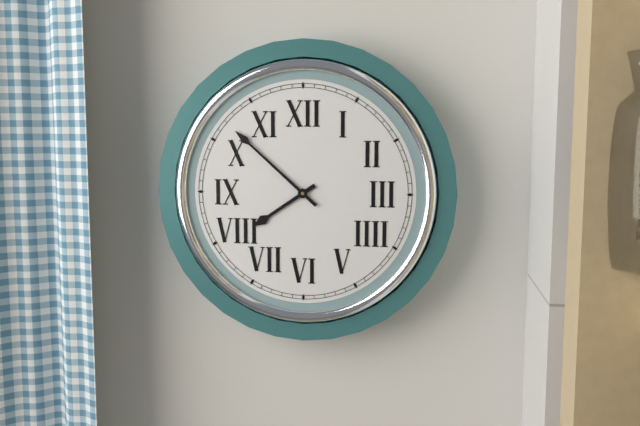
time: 7:52
